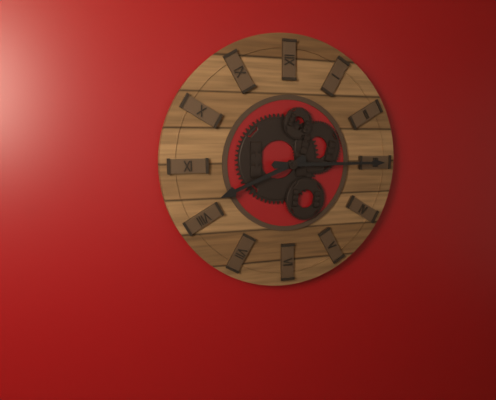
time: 8:15
